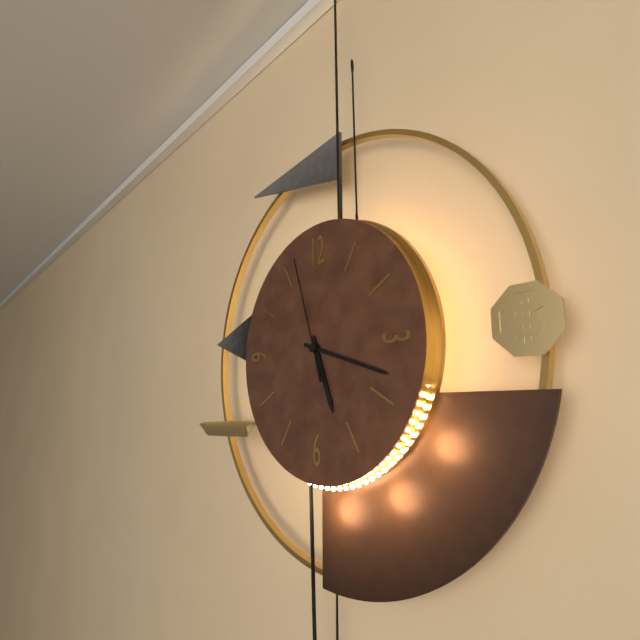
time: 5:18:57
